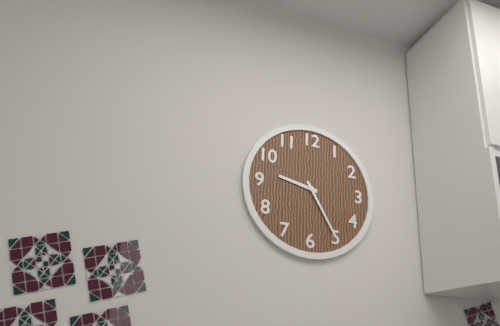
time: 9:25
